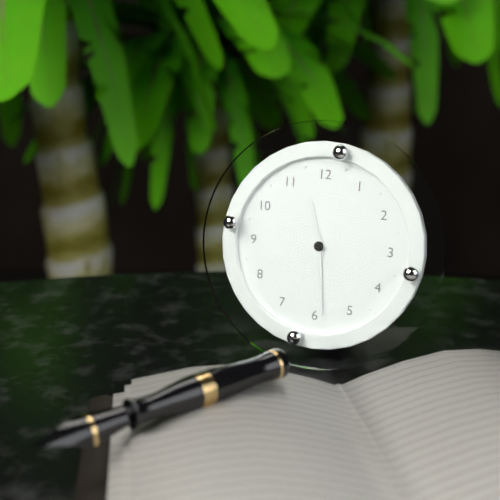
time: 11:29
